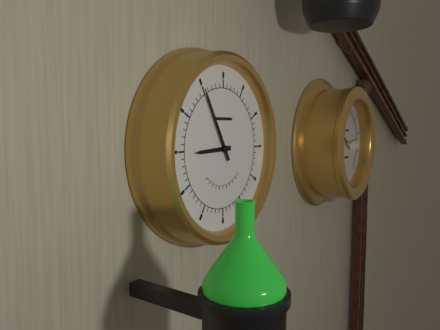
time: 8:55
